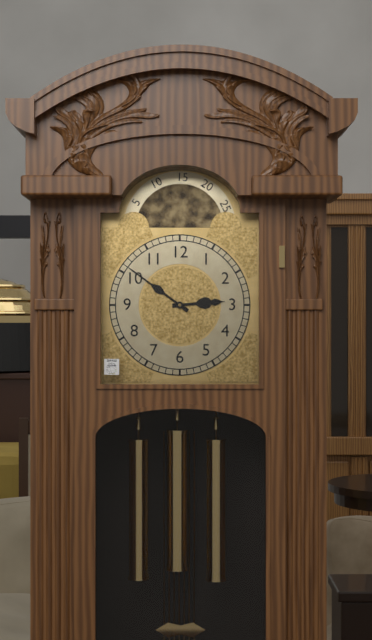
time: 2:51
